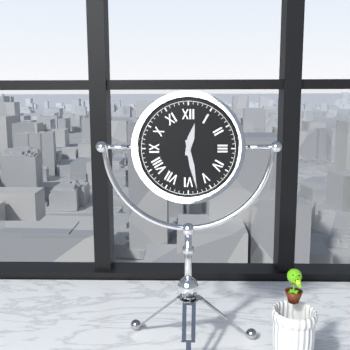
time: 12:28
